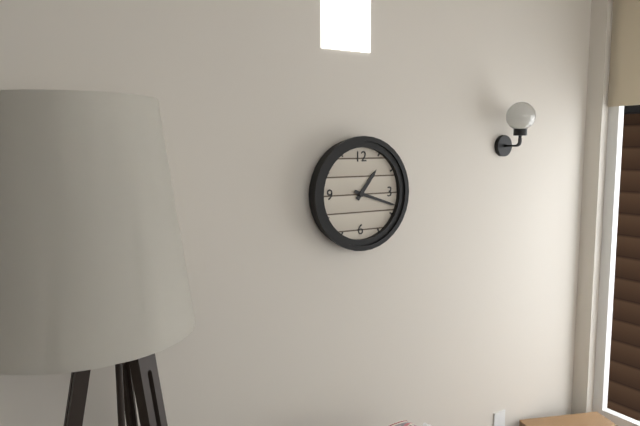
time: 1:18
